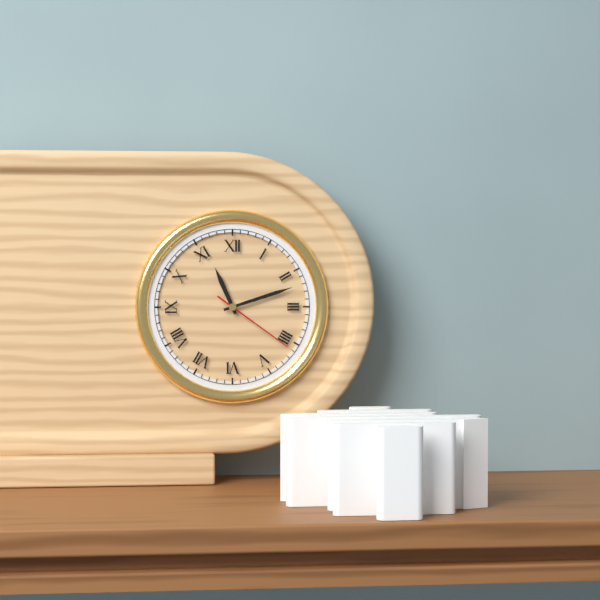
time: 11:12:21
